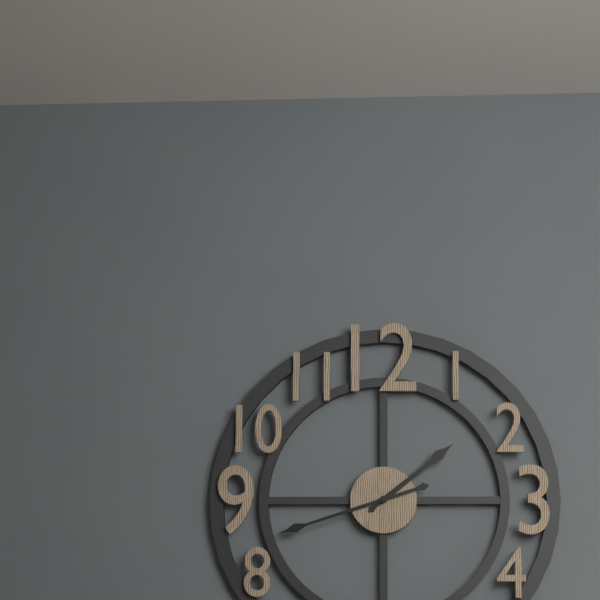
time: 1:42
